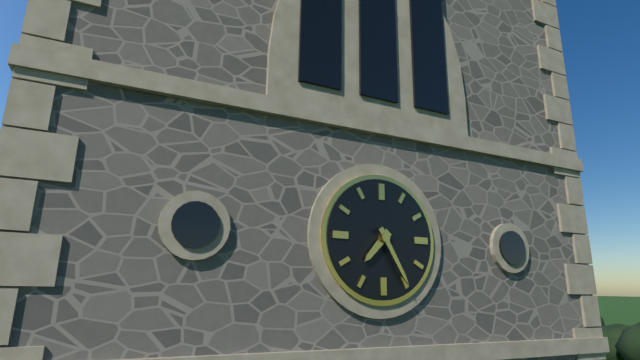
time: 7:25
